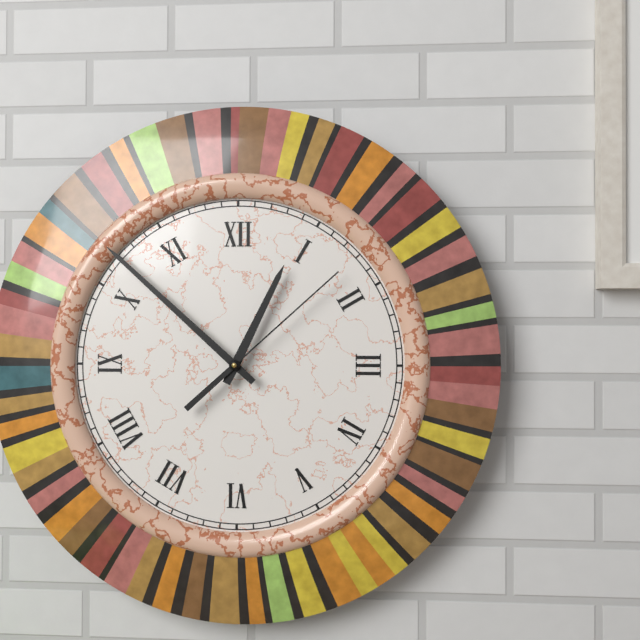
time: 12:52:08
